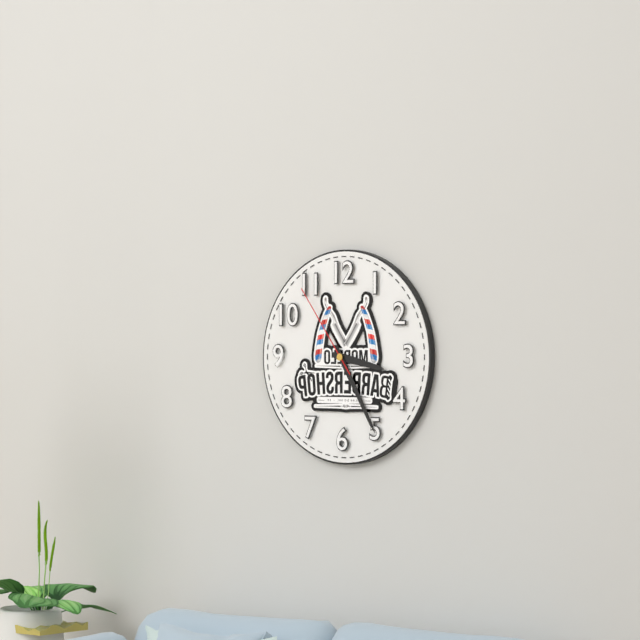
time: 3:25:54
